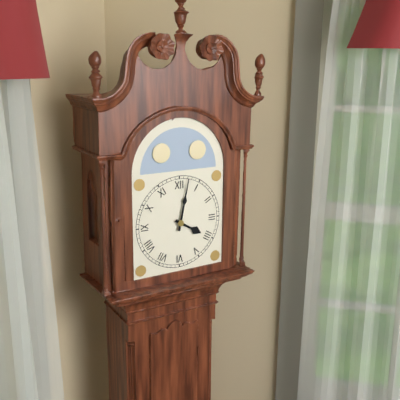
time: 4:02
